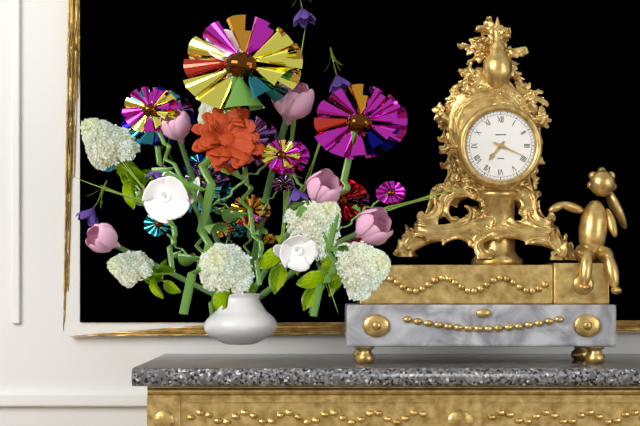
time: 7:19
